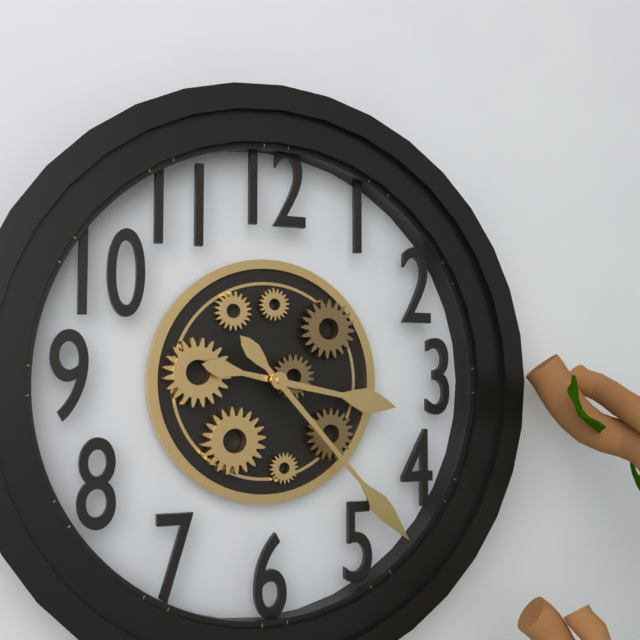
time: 3:23
